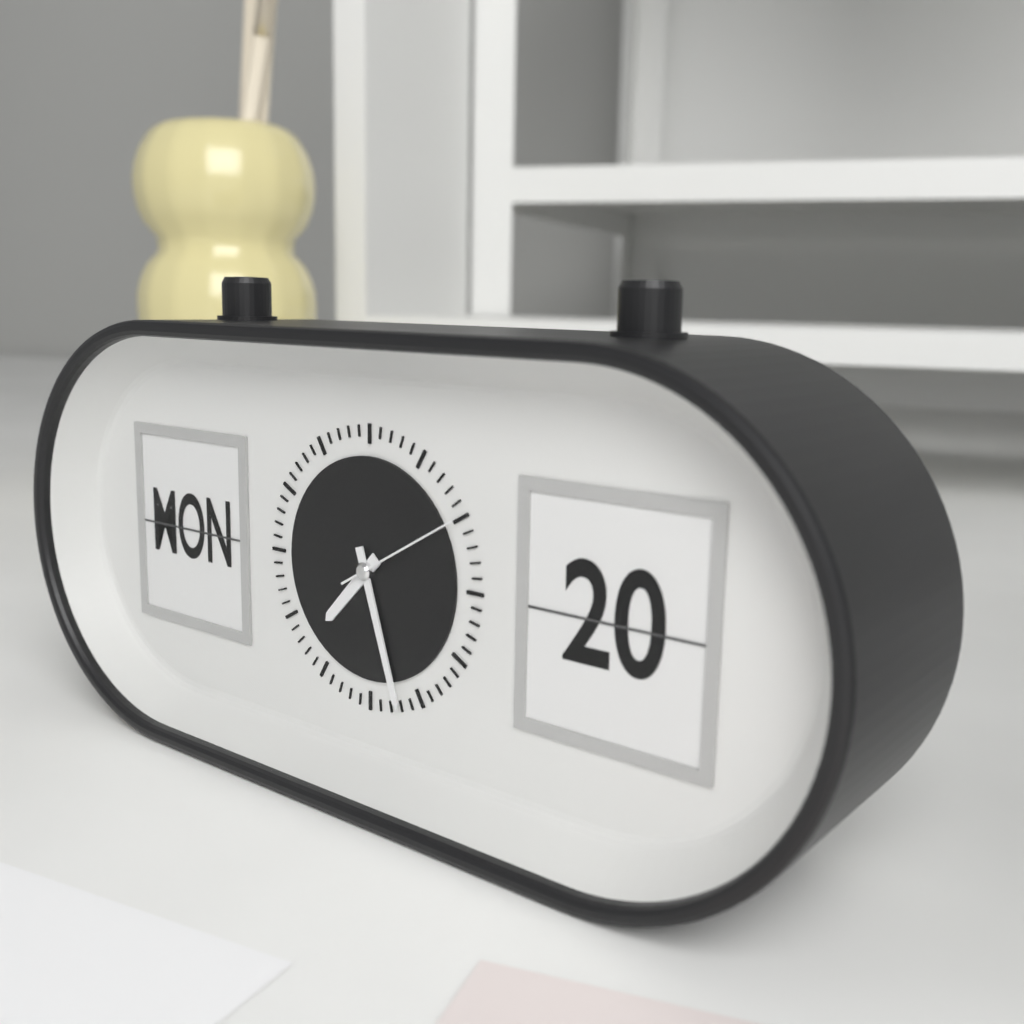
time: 7:27:10
